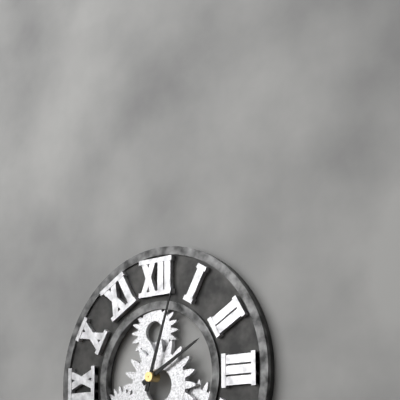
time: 2:03
